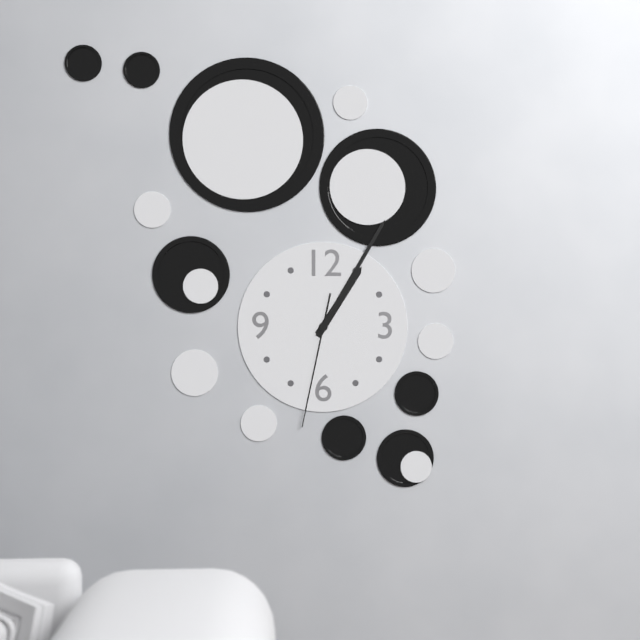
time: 1:05:32
